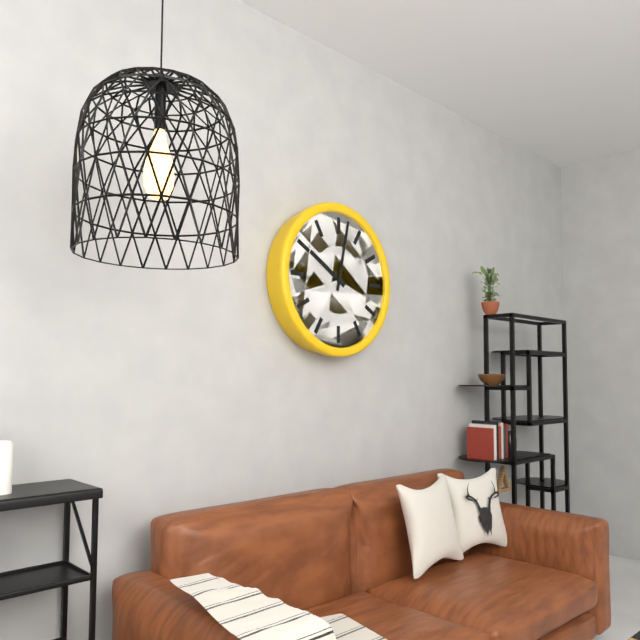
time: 10:02
